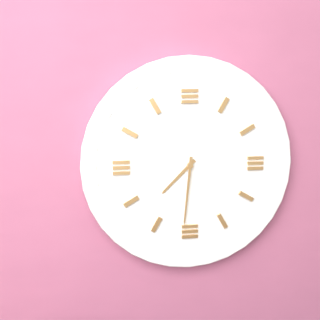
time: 7:31
